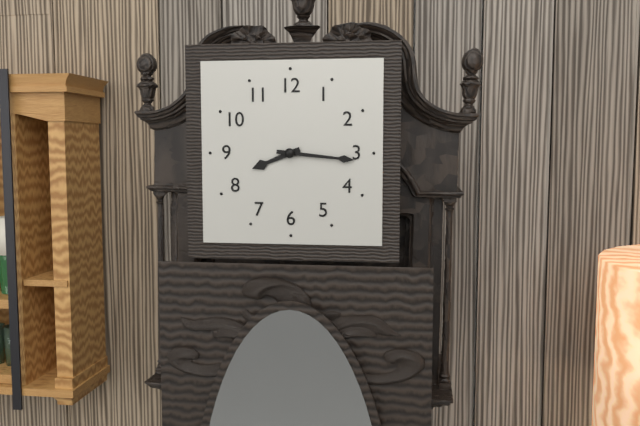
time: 8:16
